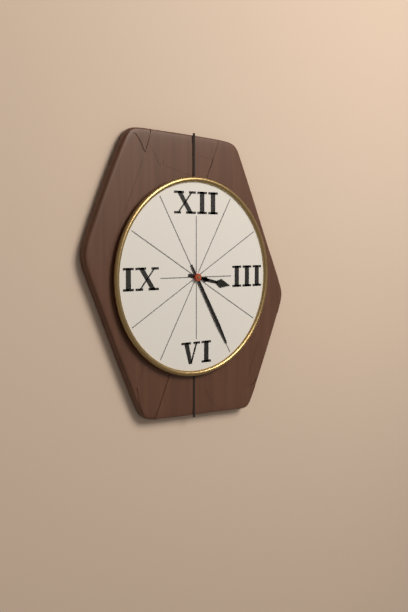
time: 3:25
